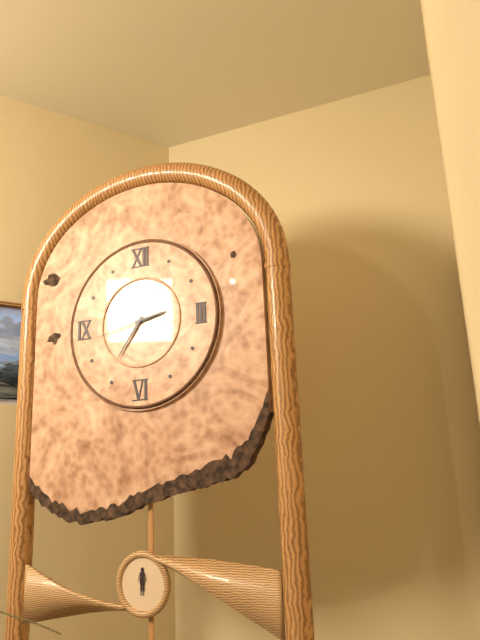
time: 2:36:43
